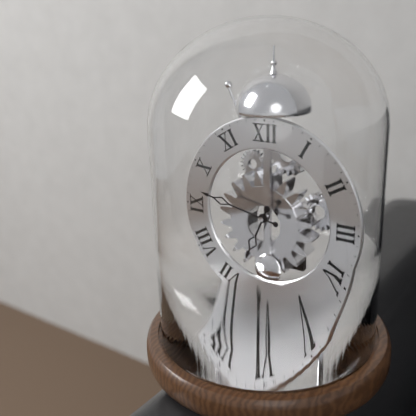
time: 6:47
